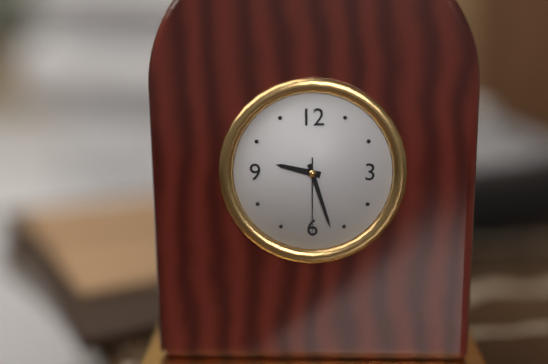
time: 9:27:30
